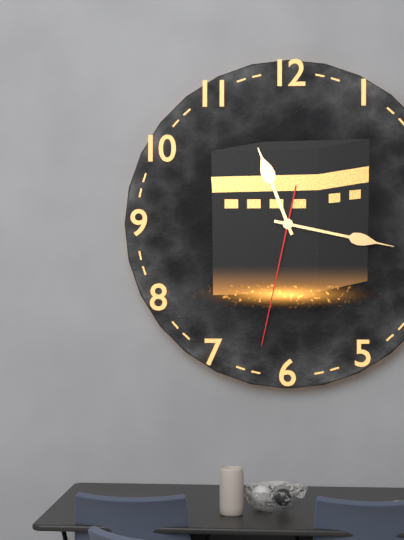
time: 11:17:32
